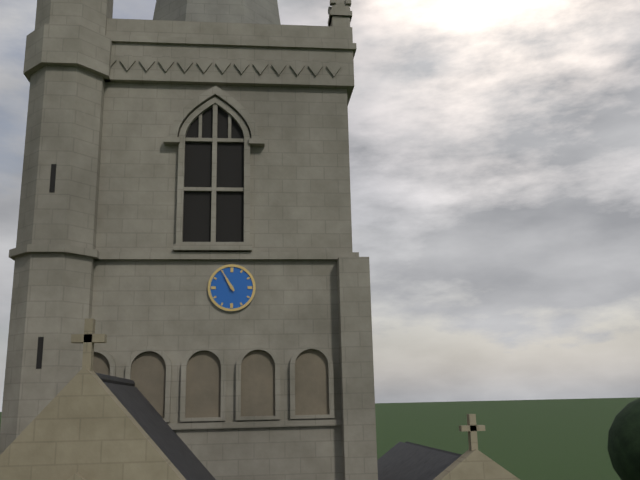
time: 10:55
